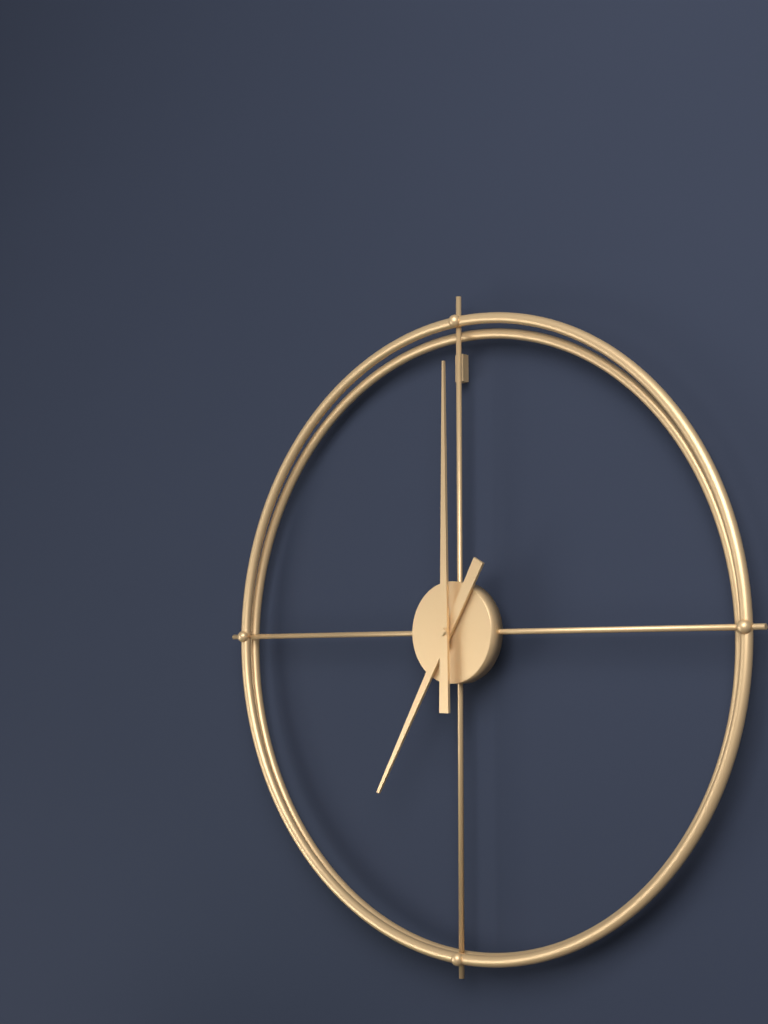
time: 7:00
